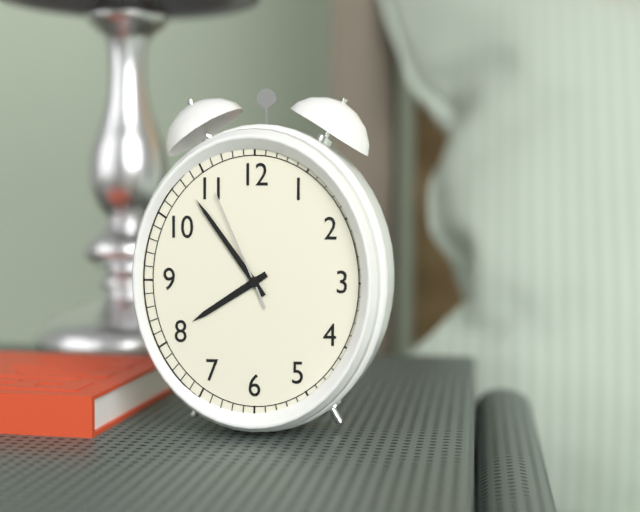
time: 7:54:56
